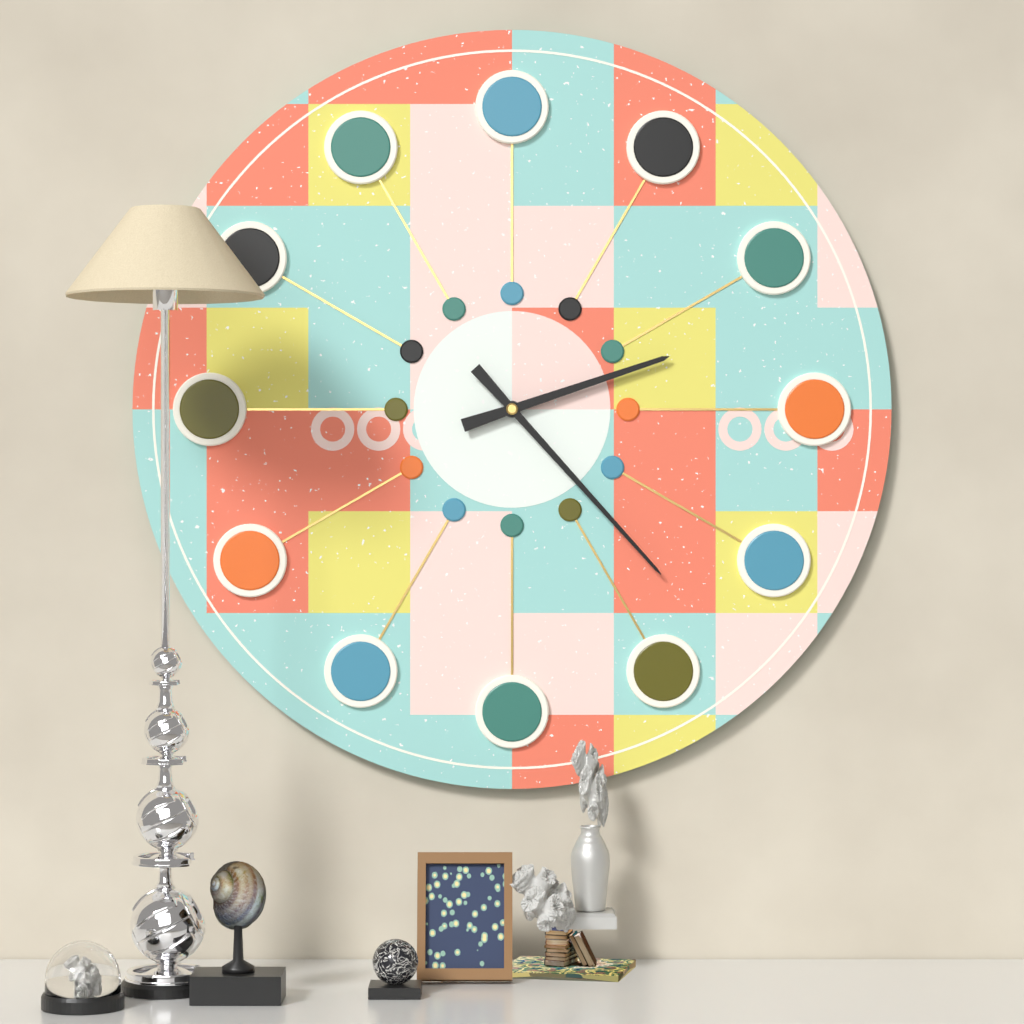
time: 2:23
